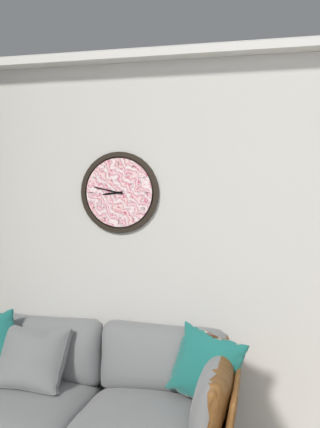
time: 8:47
